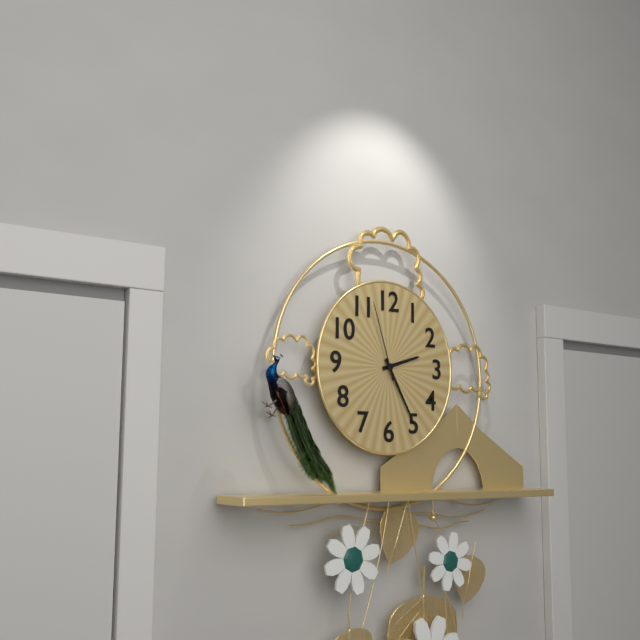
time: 2:25:57
